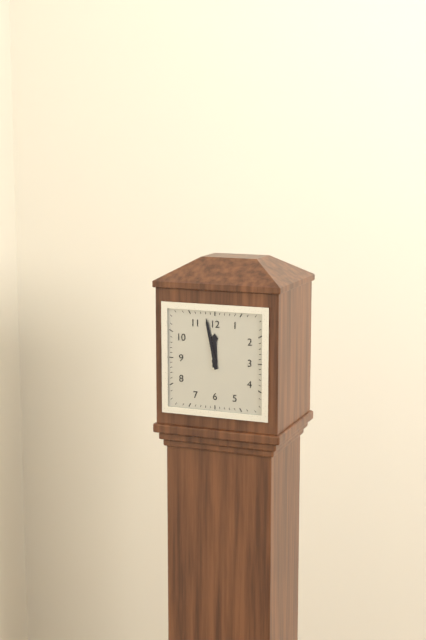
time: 11:58
